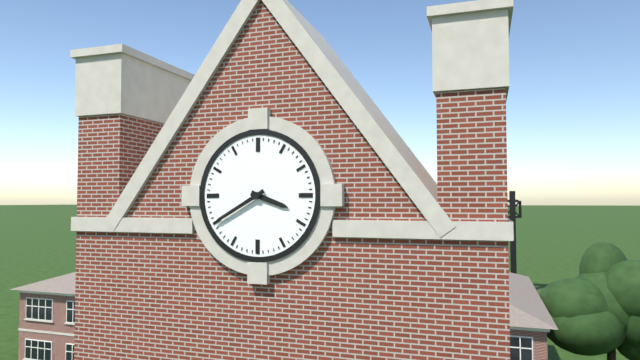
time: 3:40
